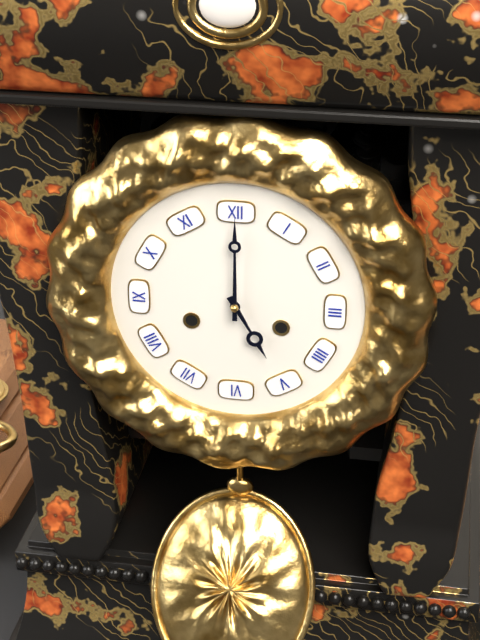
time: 5:00
